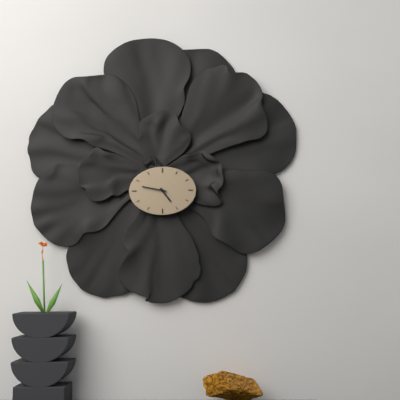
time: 4:47
